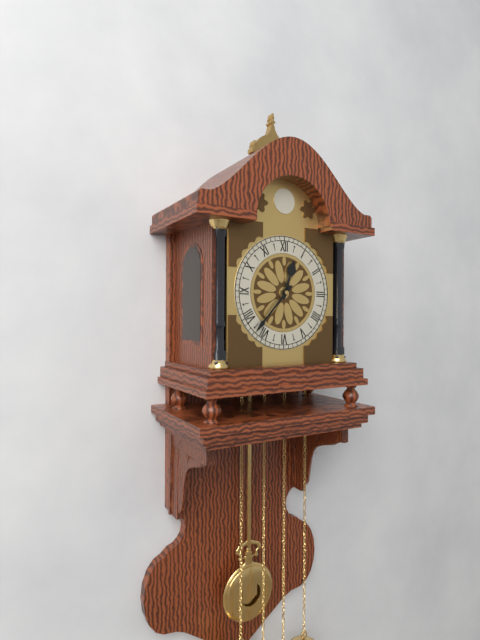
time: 12:37
